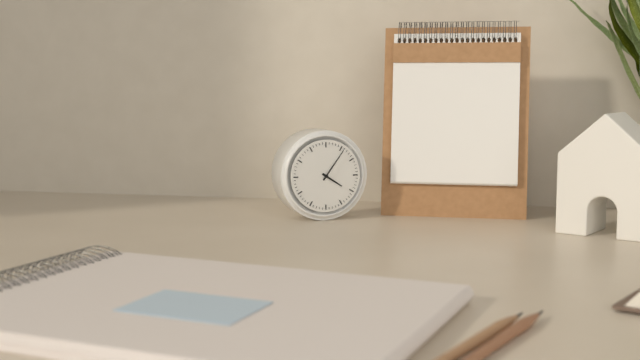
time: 4:06
